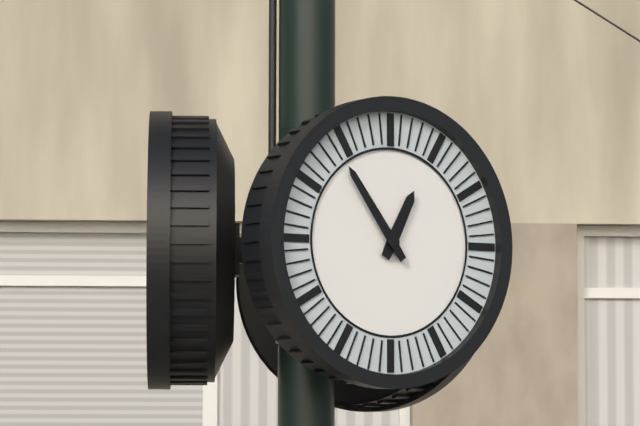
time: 12:54
